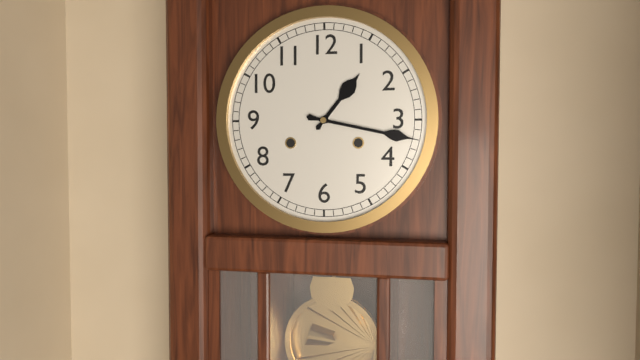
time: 1:17
